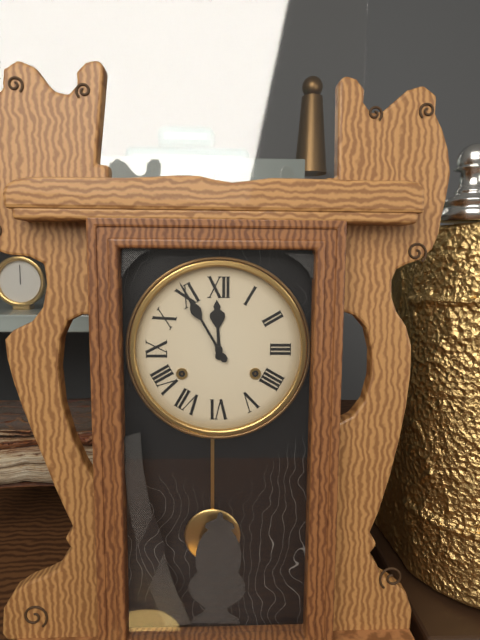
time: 11:55
